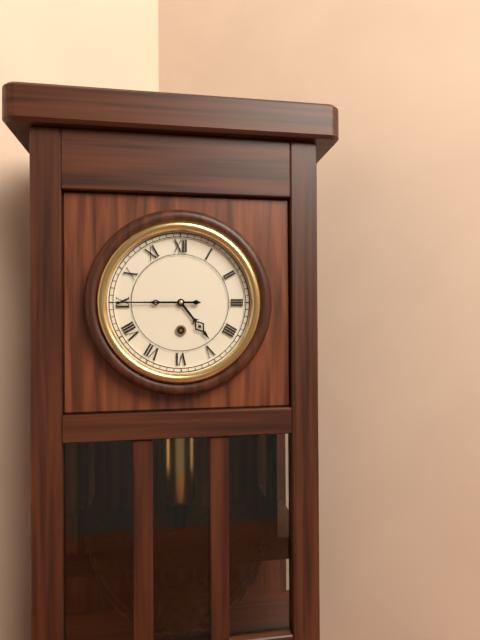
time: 4:45
